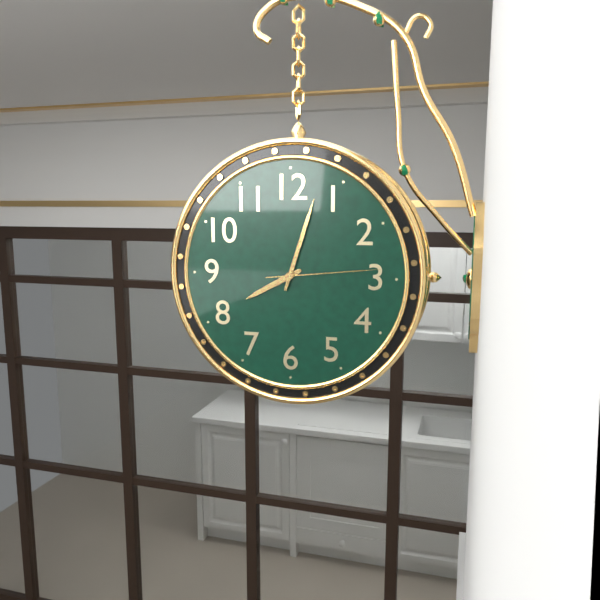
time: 8:03:14
